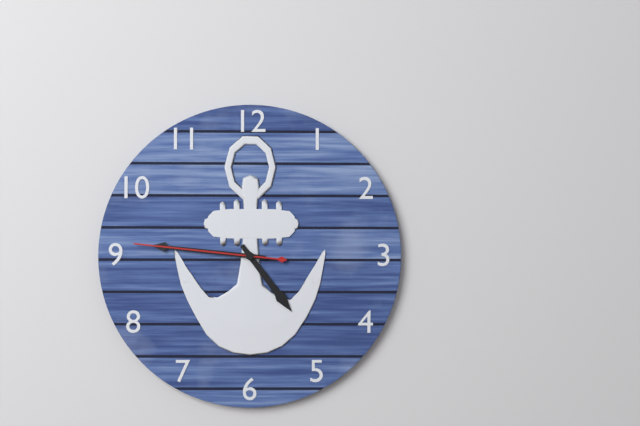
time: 4:46:46
